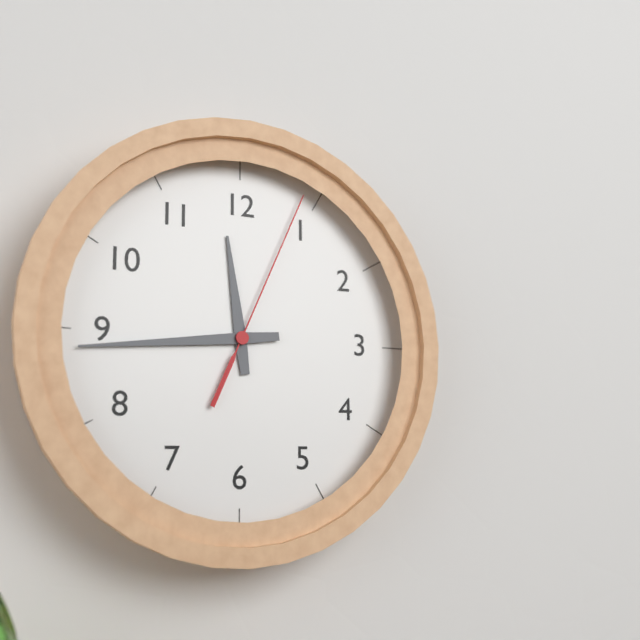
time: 11:44:04
